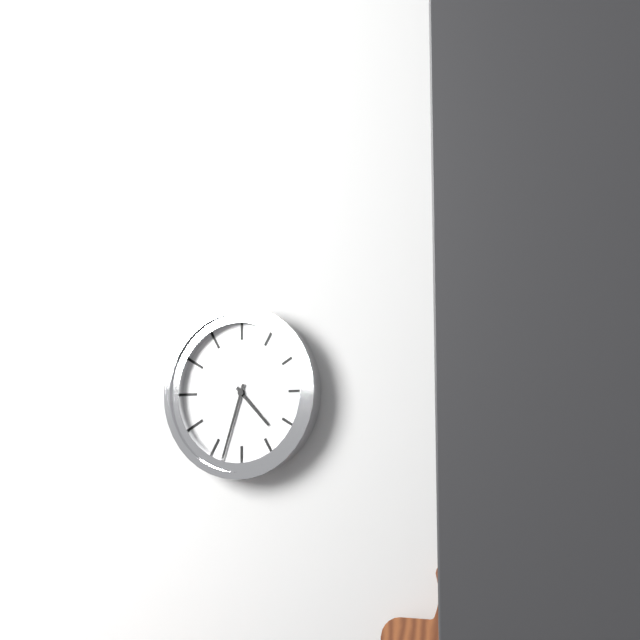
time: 4:33
